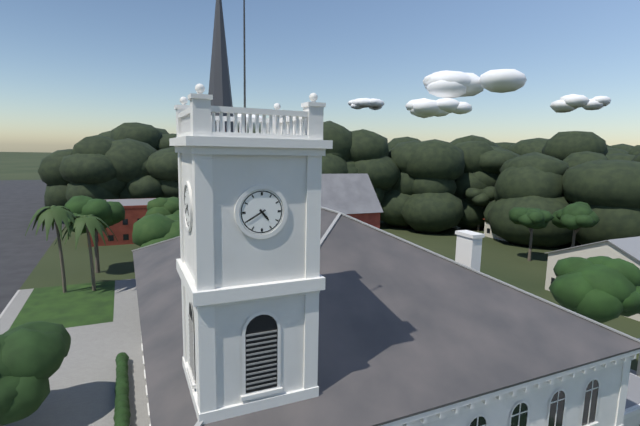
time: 4:40
